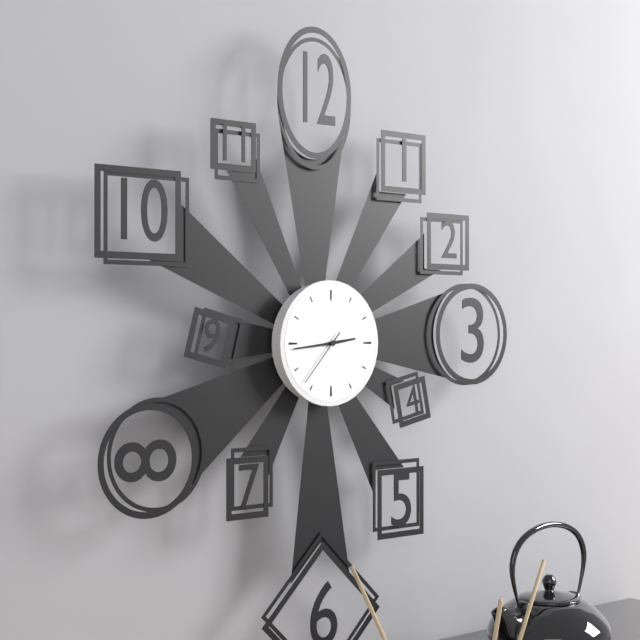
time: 2:44:37
